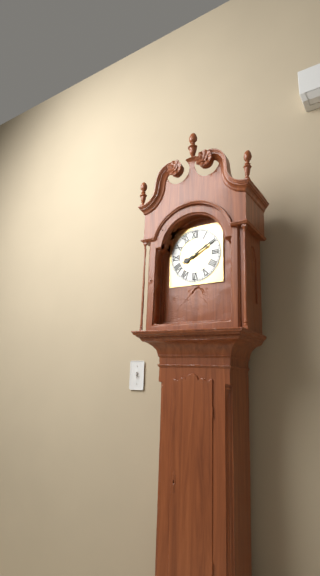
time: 8:10
